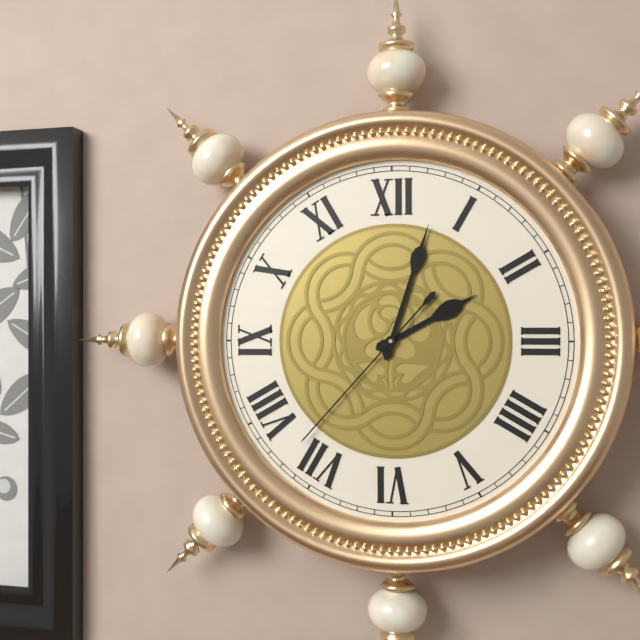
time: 2:03:37
